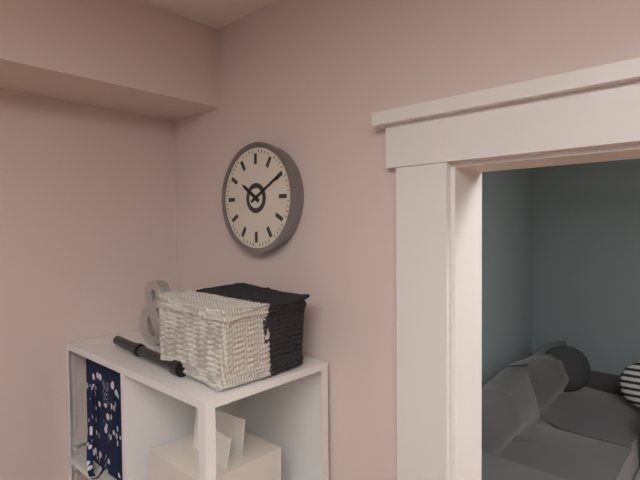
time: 10:10
